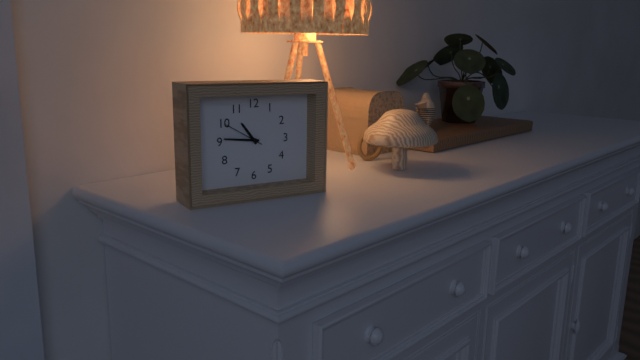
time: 10:46
